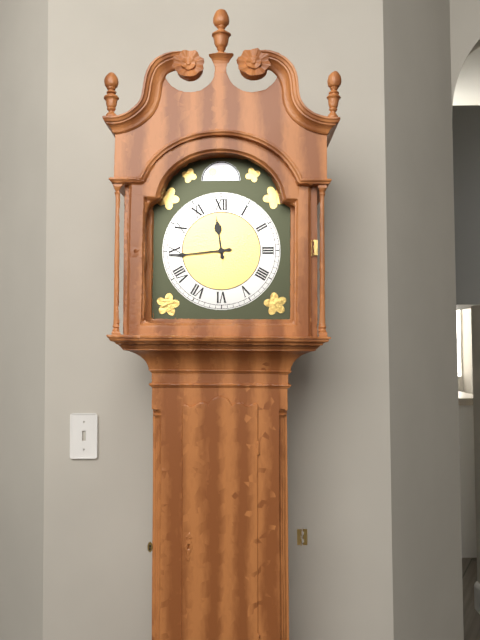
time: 11:44
